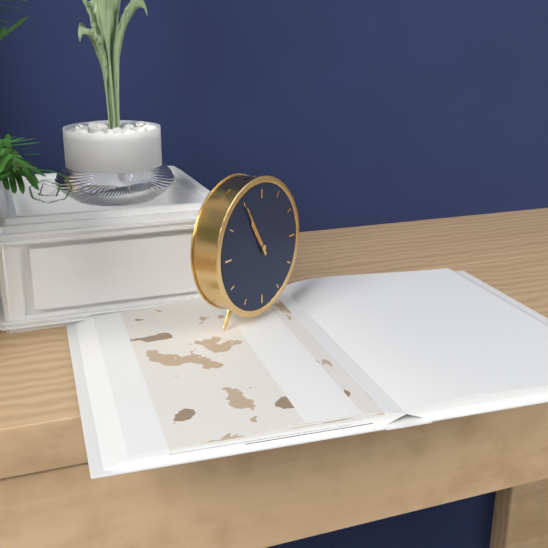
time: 10:55
